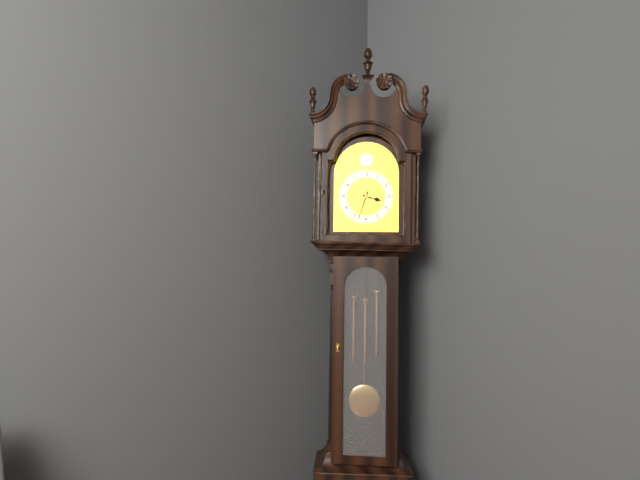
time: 3:33
